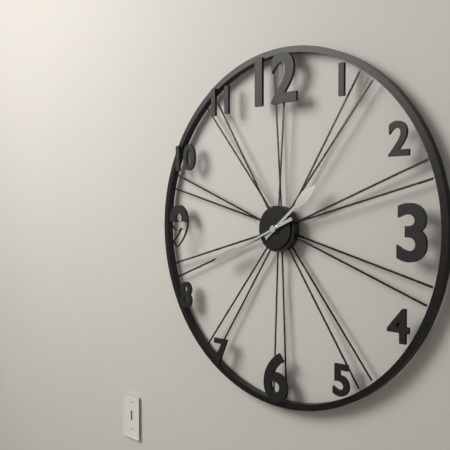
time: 1:41
